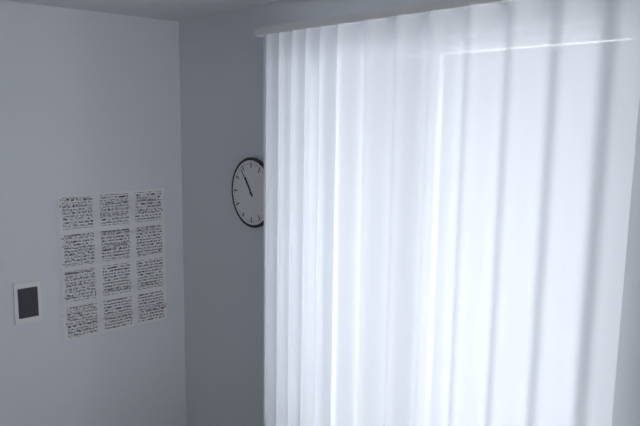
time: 10:54
